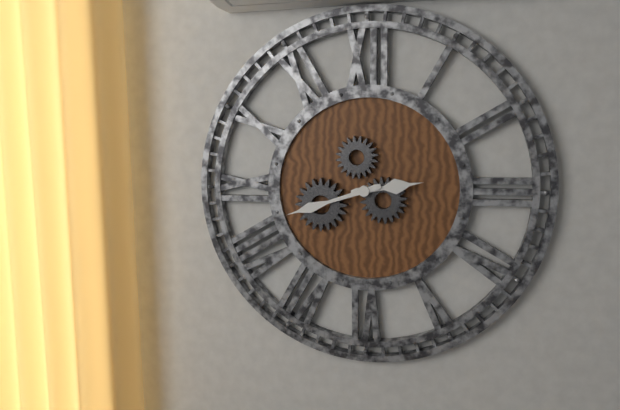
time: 2:42
